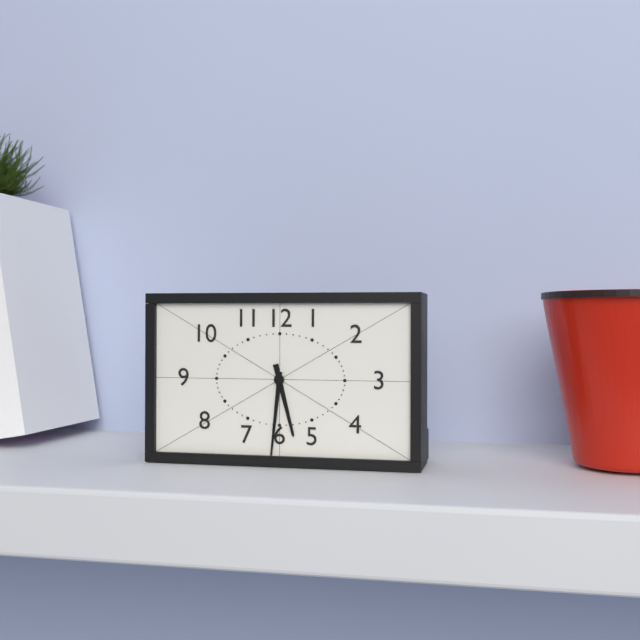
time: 5:31
